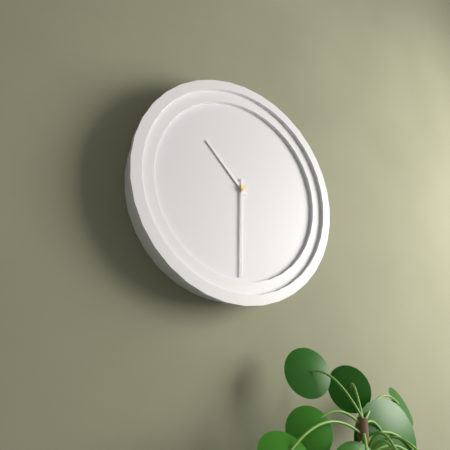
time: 10:30
